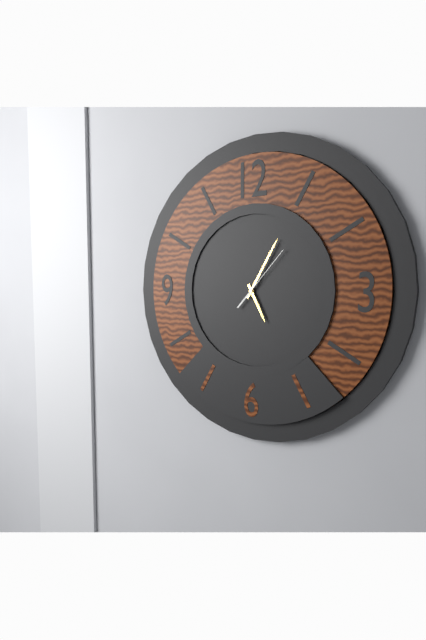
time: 5:05:07
